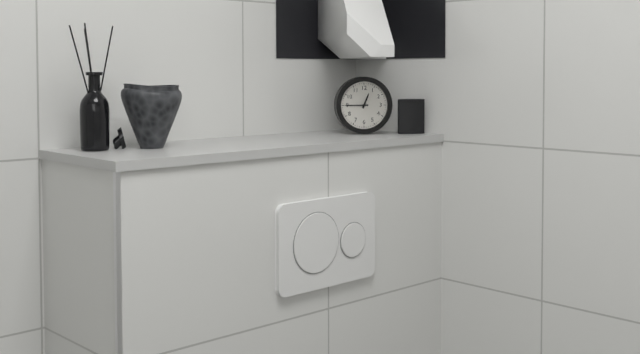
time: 12:45
